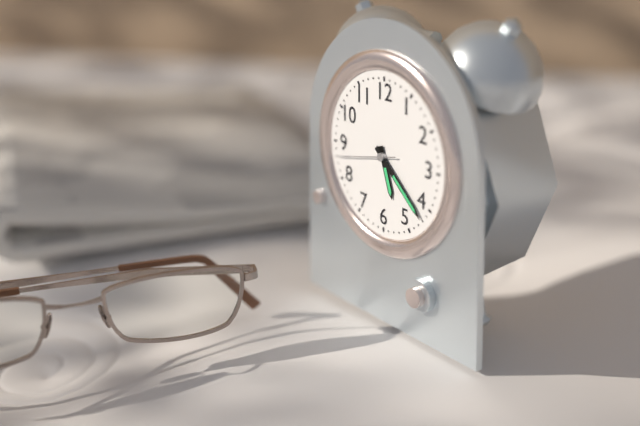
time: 5:22:43
